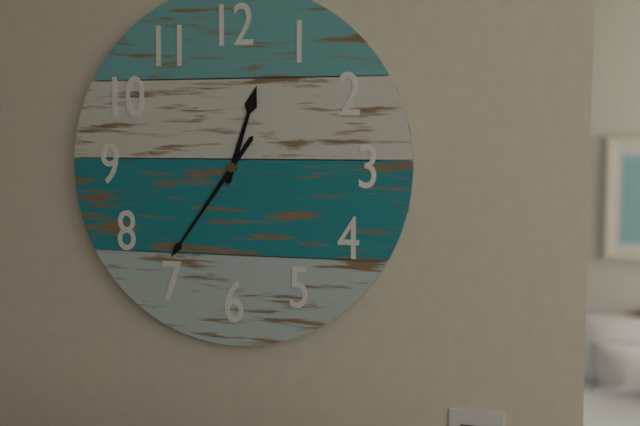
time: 12:36
